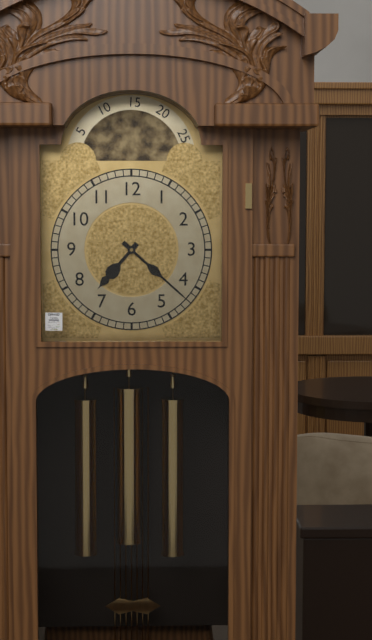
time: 7:22
